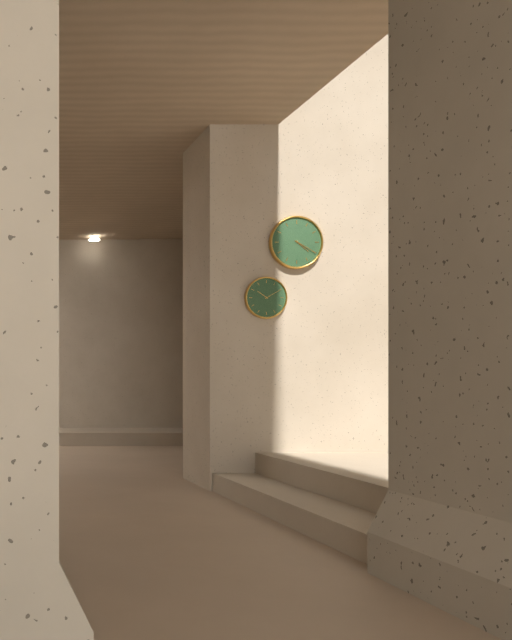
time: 4:20
